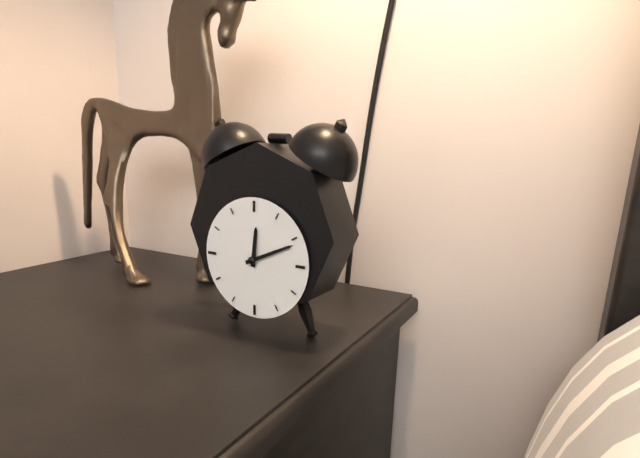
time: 12:11
